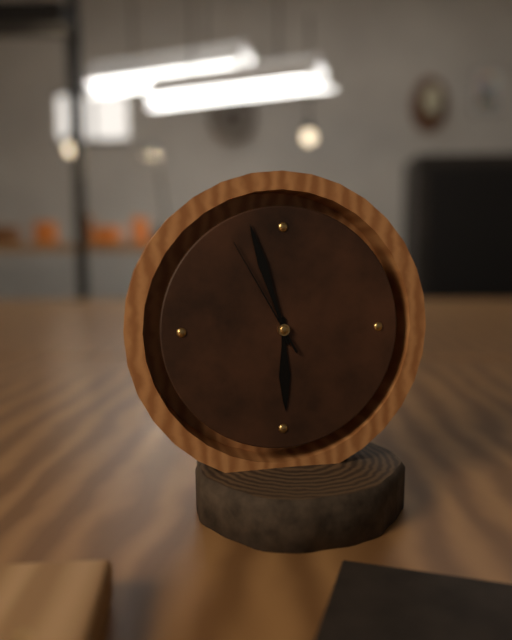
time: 5:57:55
